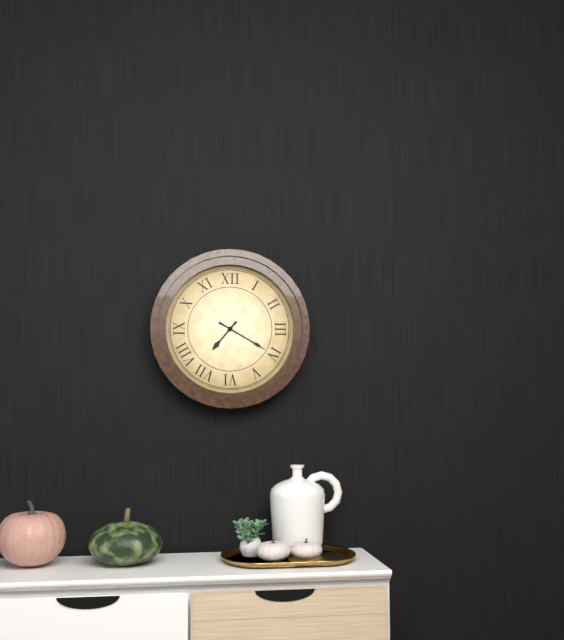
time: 7:20
